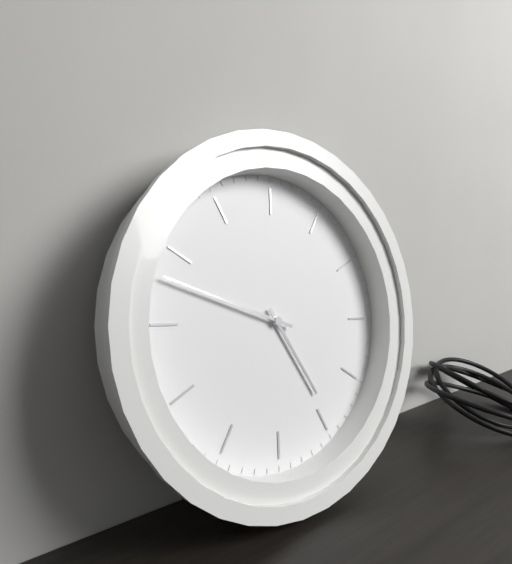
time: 5:53
